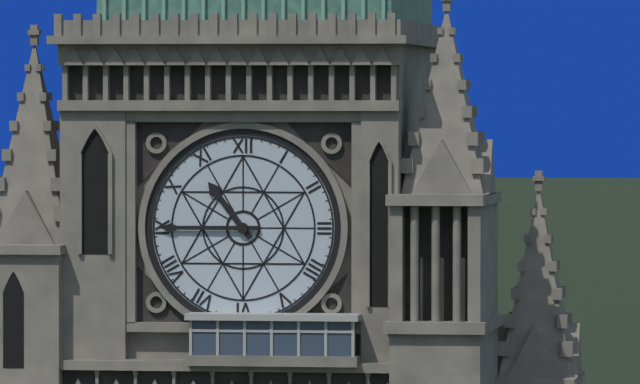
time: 10:45
